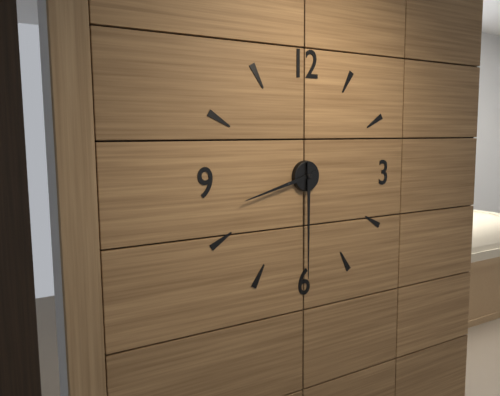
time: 8:30
